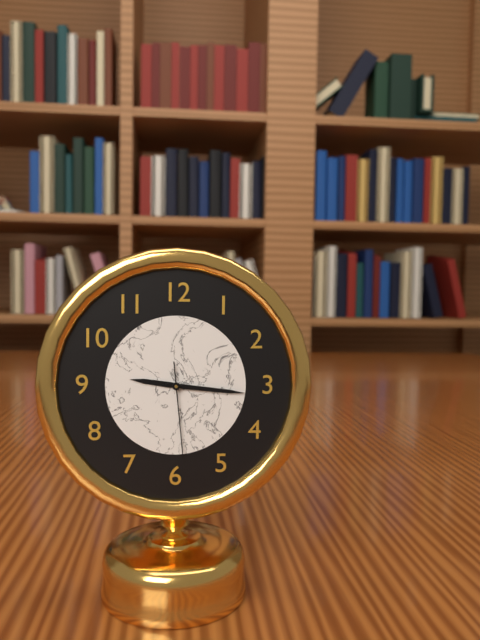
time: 9:16:29
